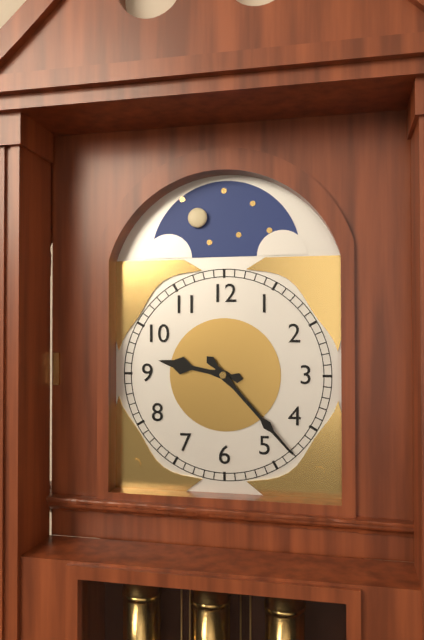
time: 9:23
